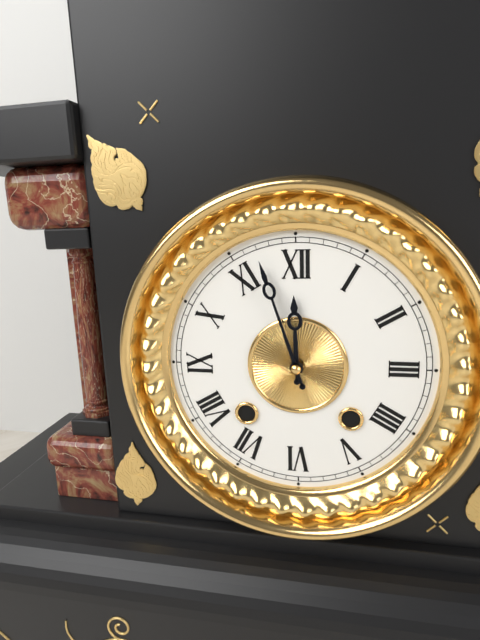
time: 11:57
